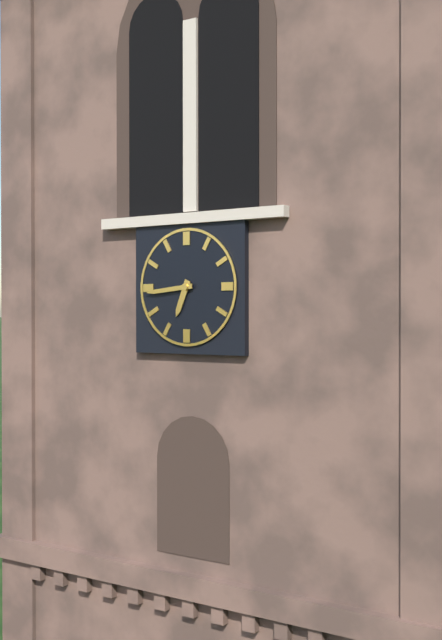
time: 6:44
